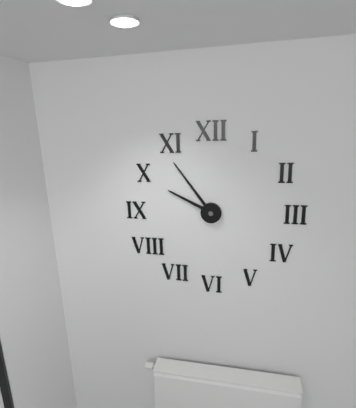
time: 9:54
